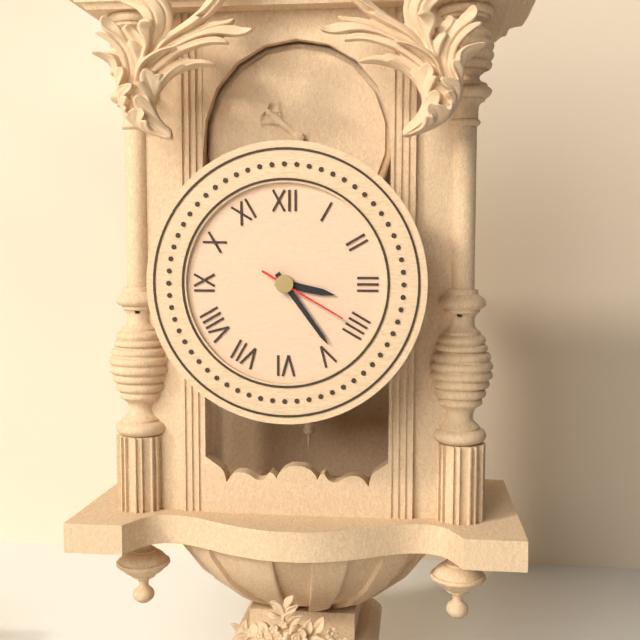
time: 3:24:20
